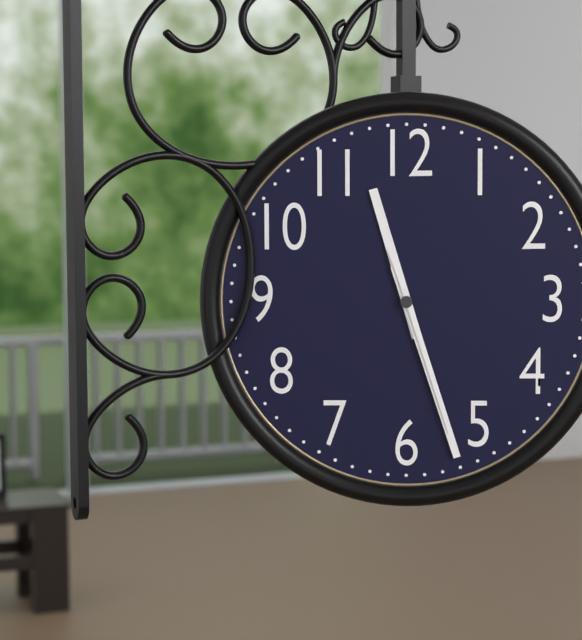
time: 11:27:27
